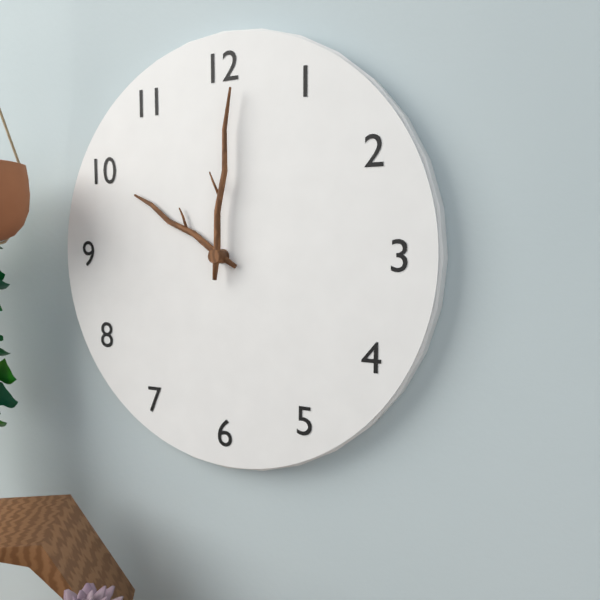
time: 10:01
